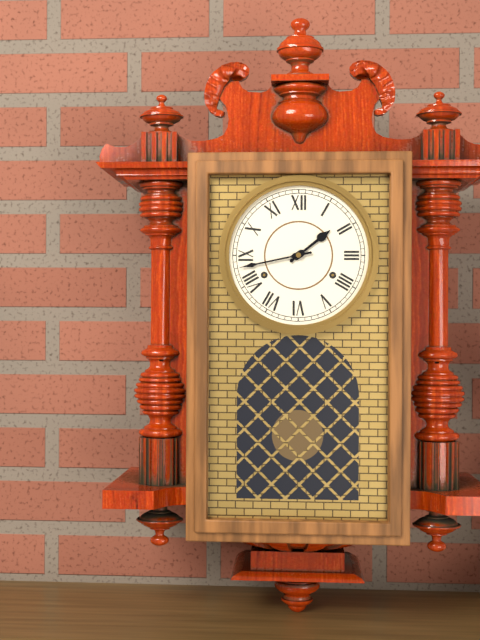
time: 1:43
